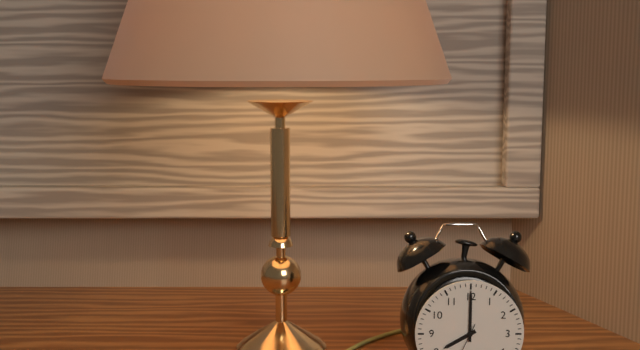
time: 8:00
